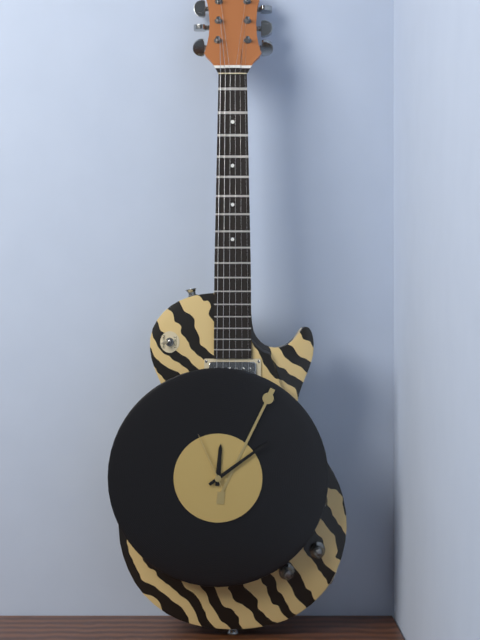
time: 12:09:56
